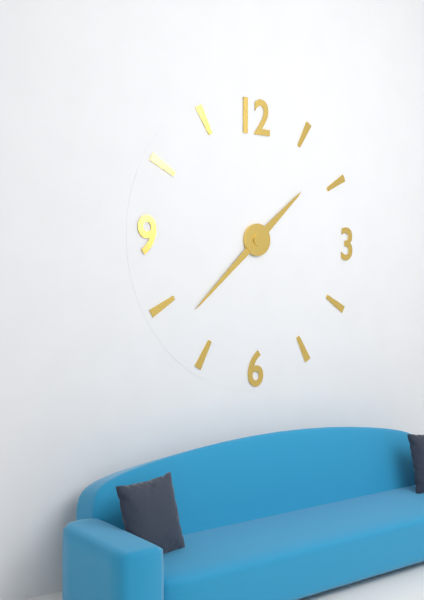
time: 1:38
